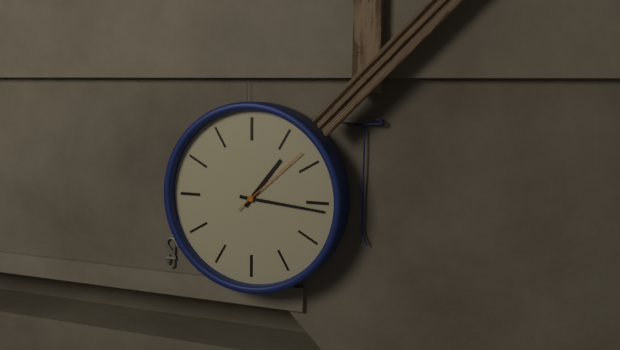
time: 1:16:08
